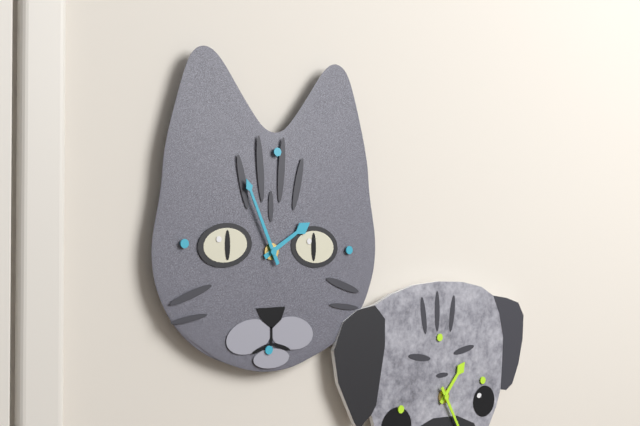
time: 1:56
